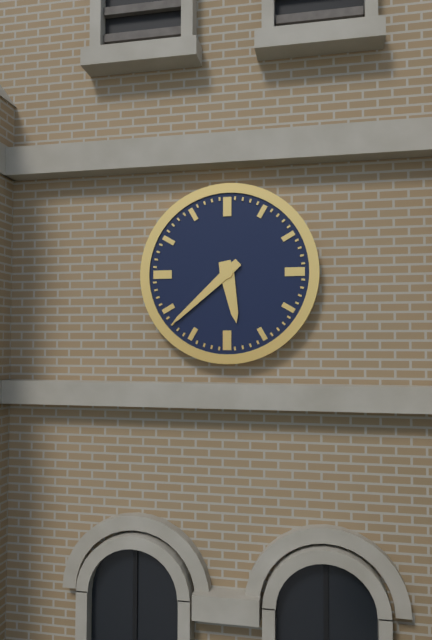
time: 5:38
